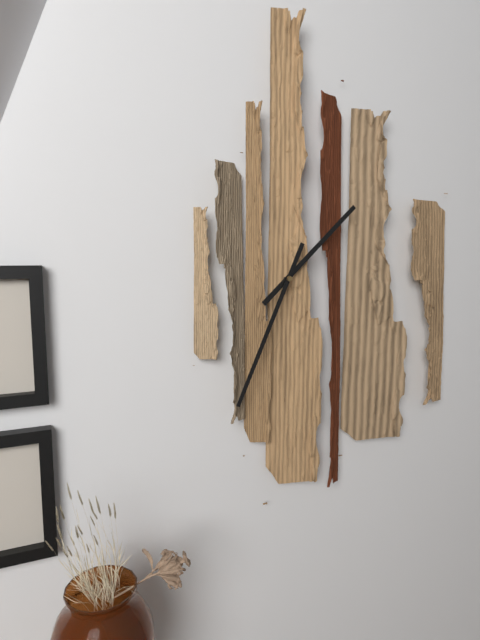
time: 1:34
